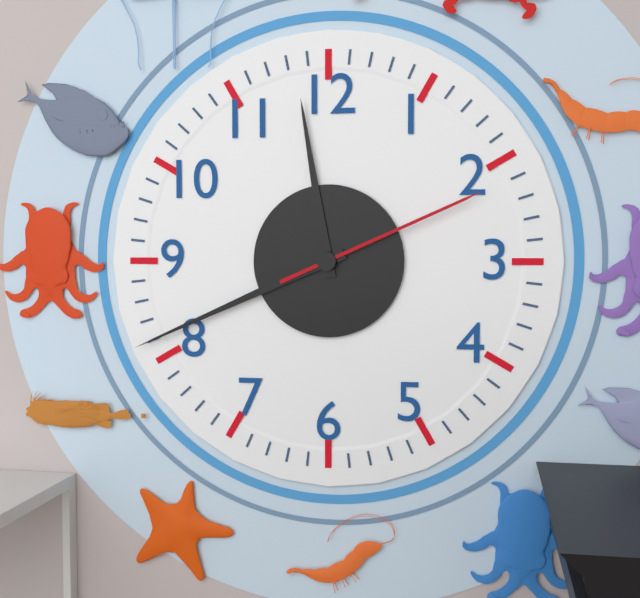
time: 11:41:11
